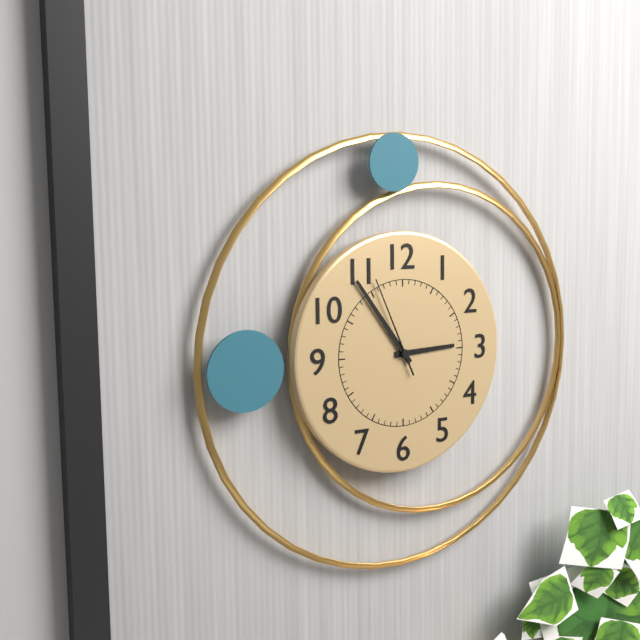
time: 2:54:56
